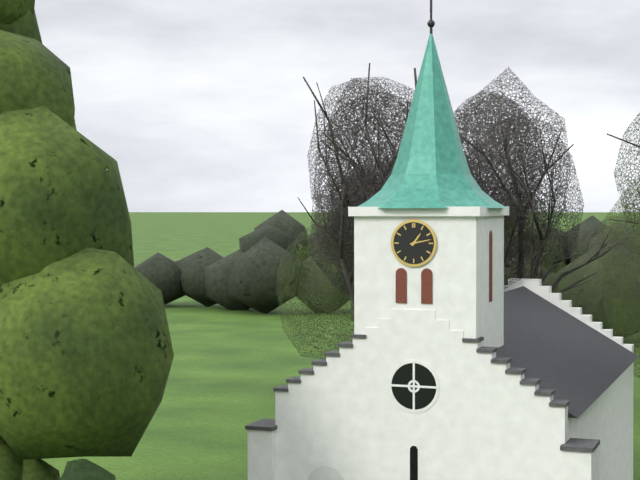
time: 1:13
